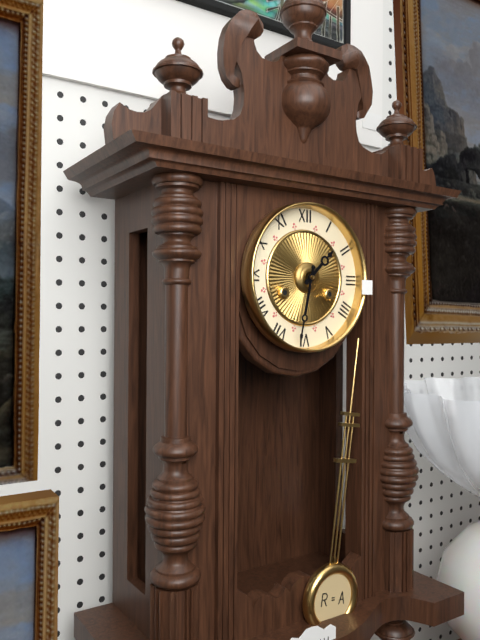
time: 1:32
